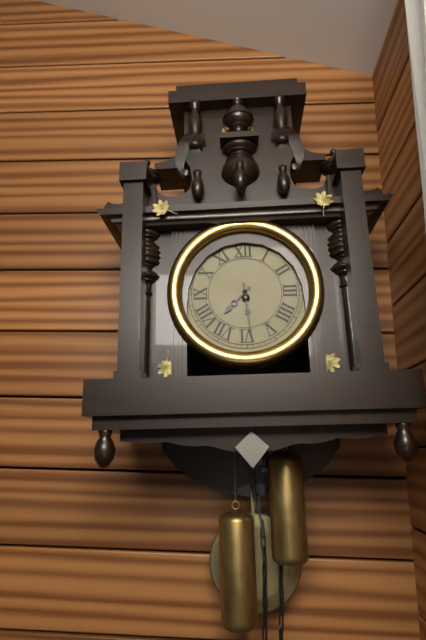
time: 7:29
